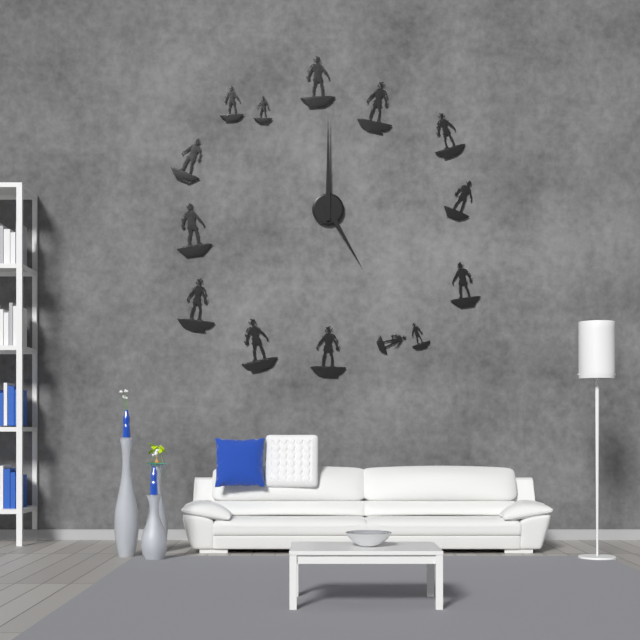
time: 5:00
